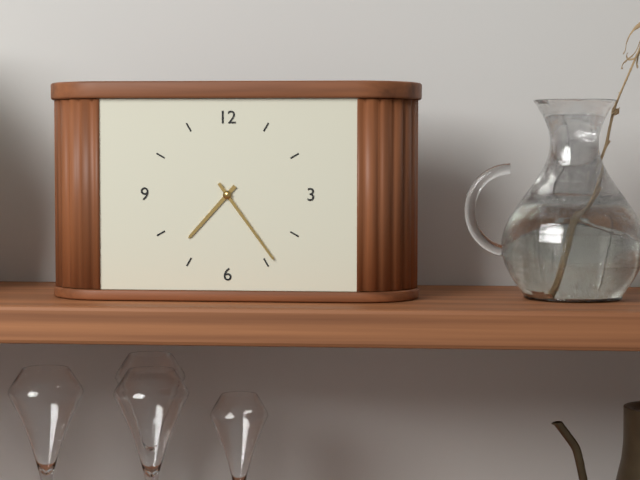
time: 7:24
